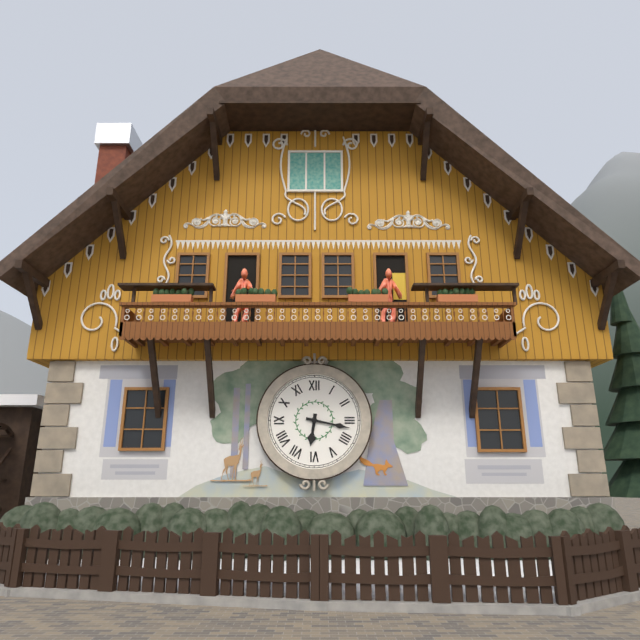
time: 6:17
